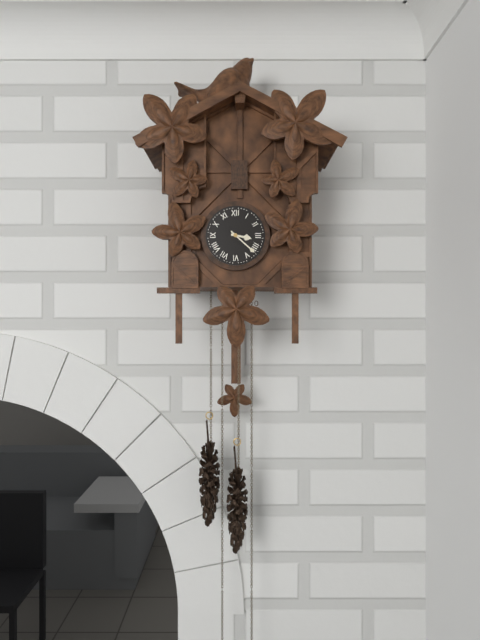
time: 3:22
